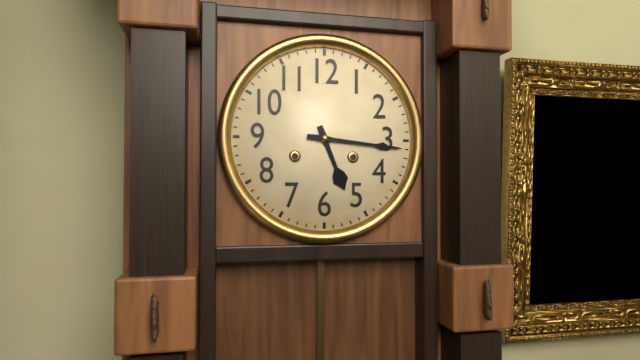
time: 5:16
